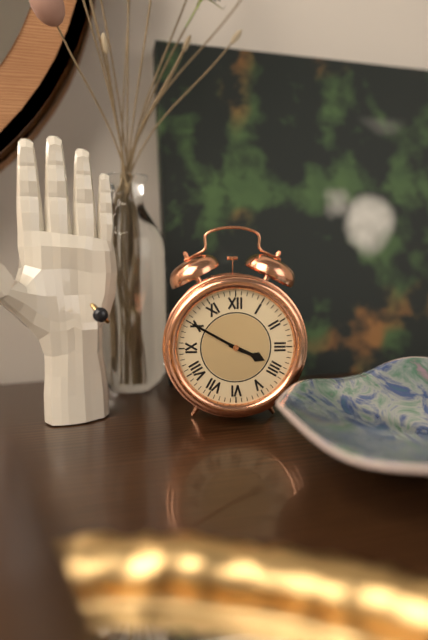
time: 3:50
